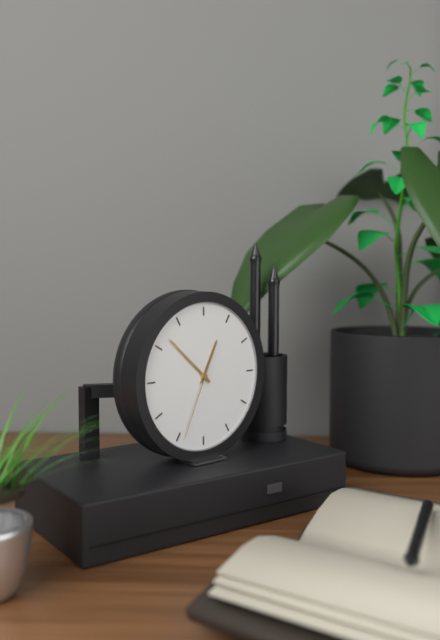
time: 12:52:34
